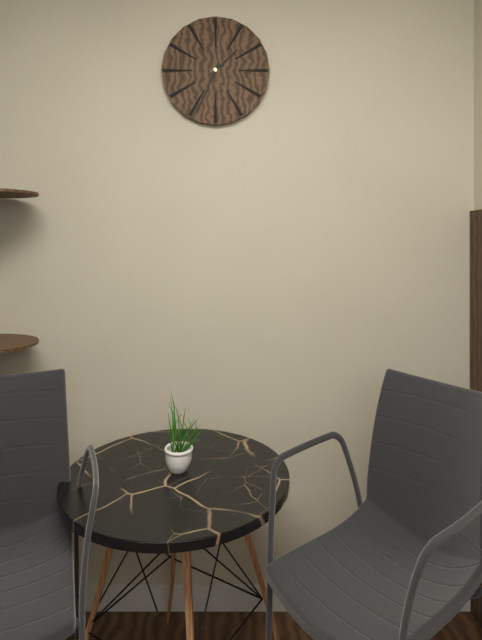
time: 1:34
